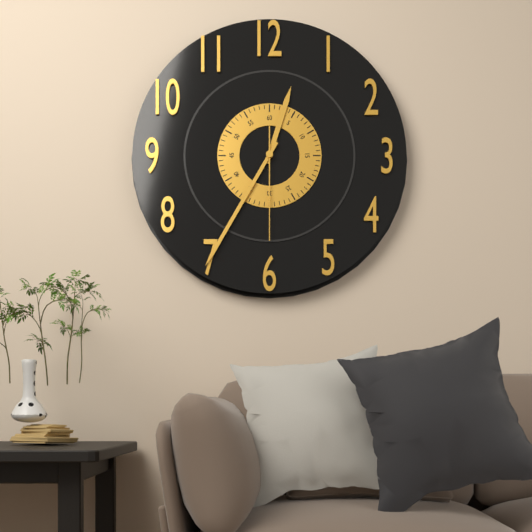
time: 12:35:30
